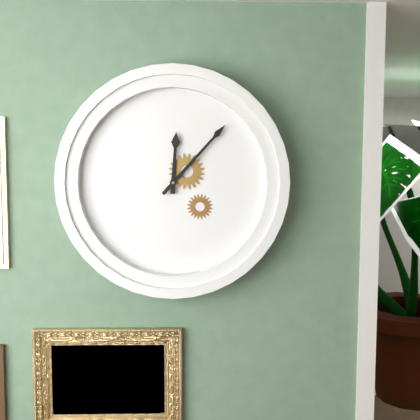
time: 12:07
